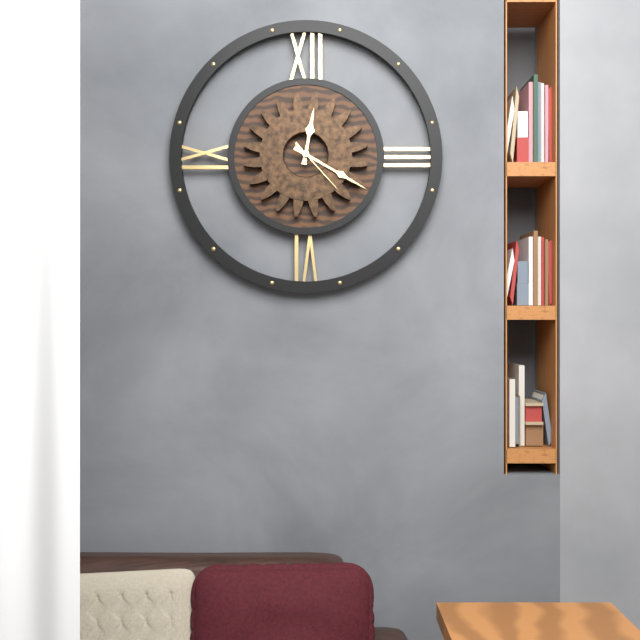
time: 12:20:23
